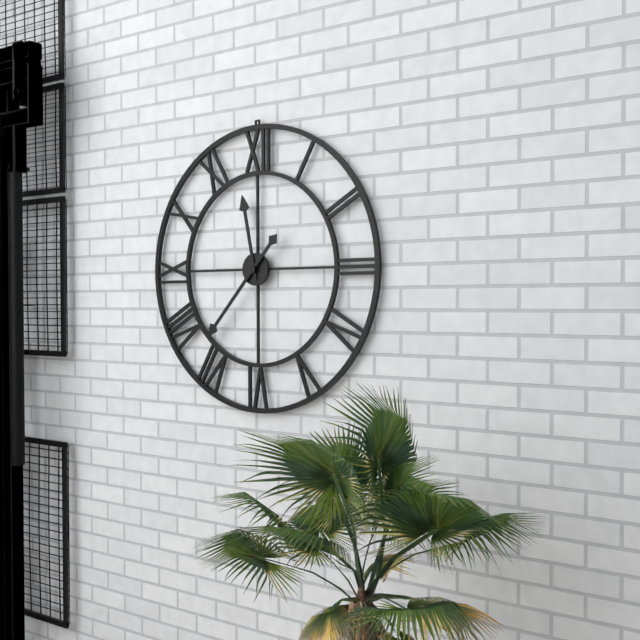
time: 11:37
